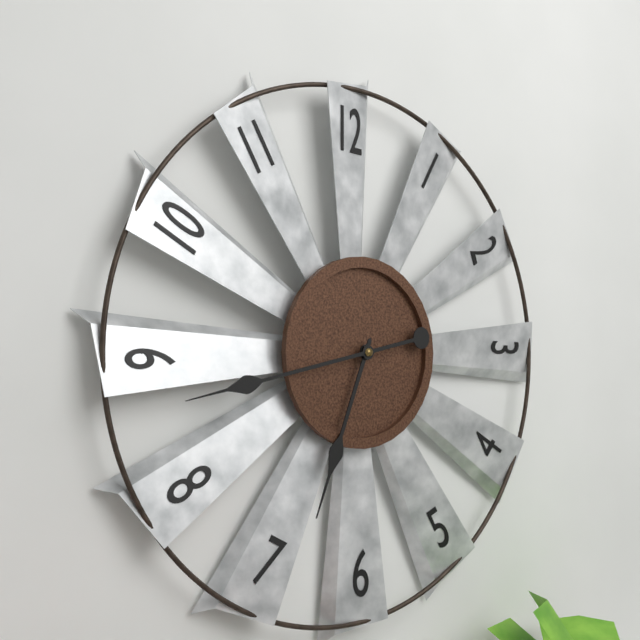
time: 6:43
